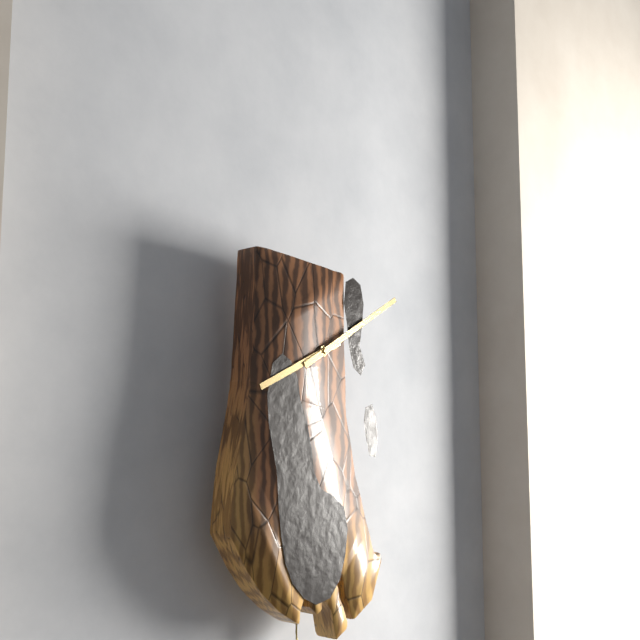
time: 8:10
